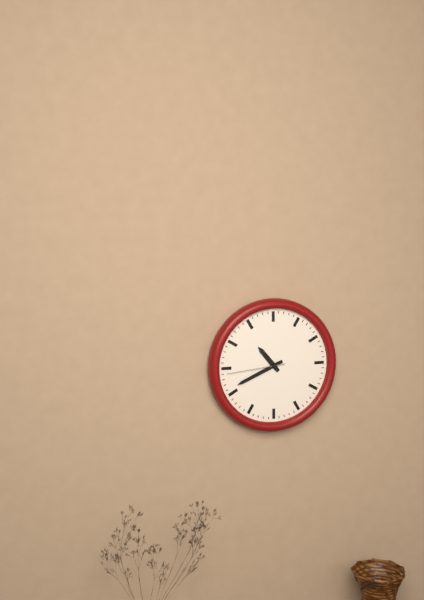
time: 10:41:44
